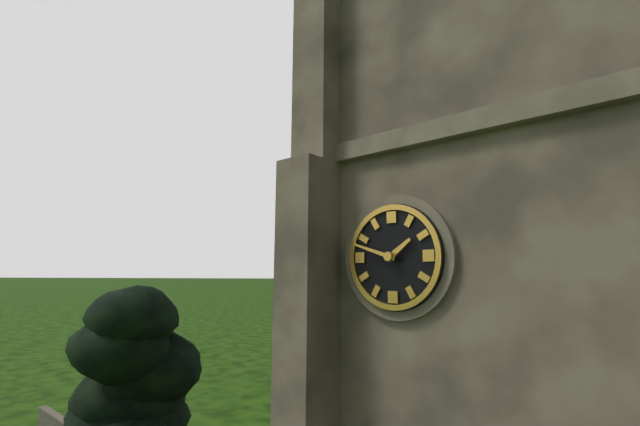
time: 1:48
